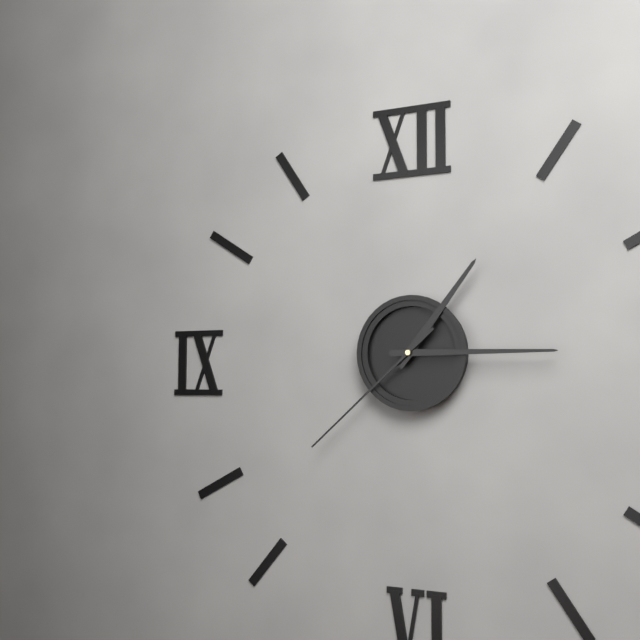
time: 1:15:38
